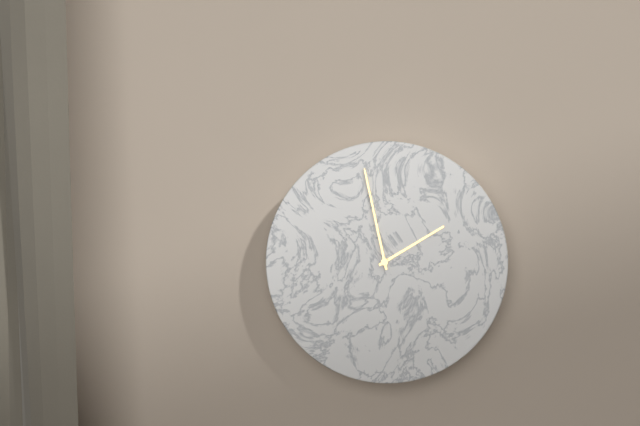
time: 1:58
